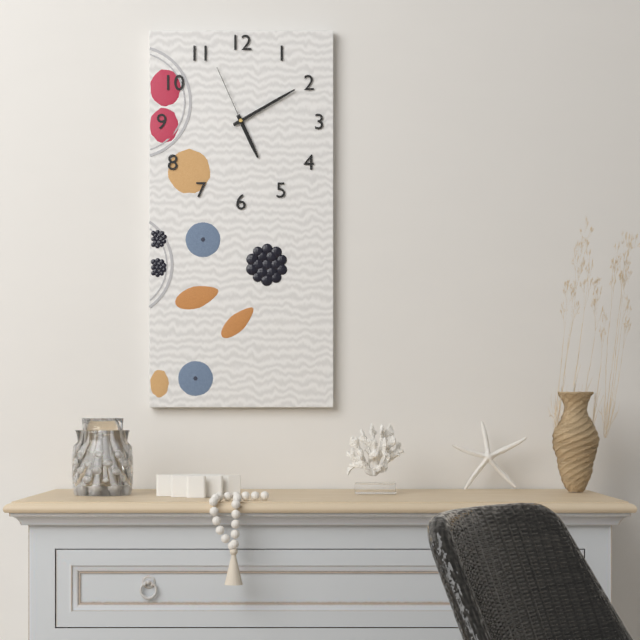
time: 5:10:56
